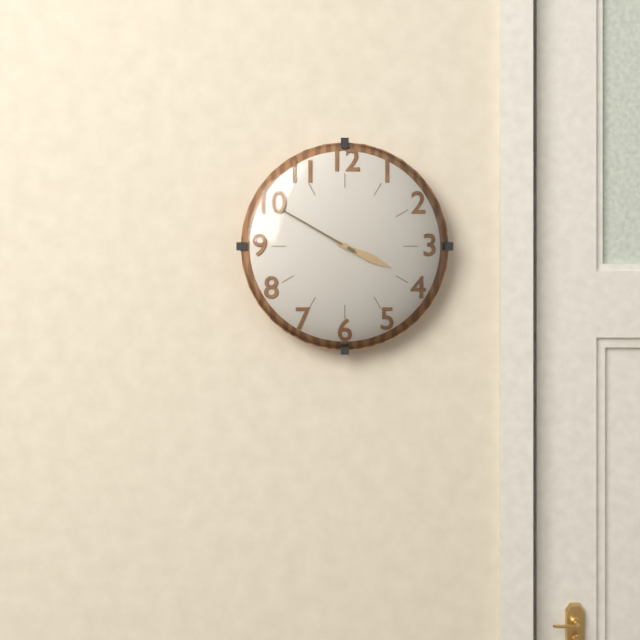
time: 3:50
